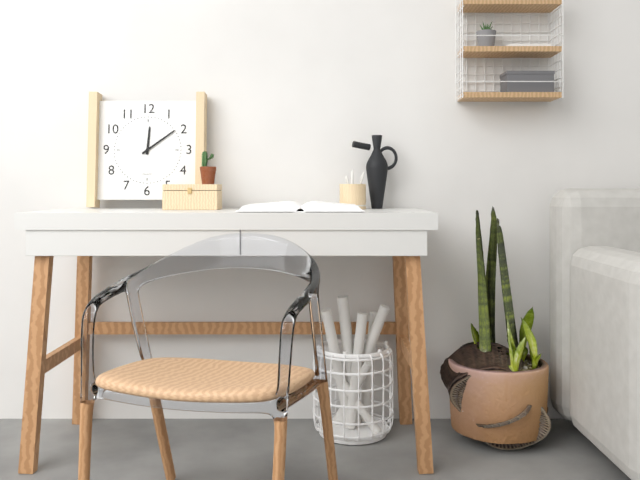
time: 12:09
